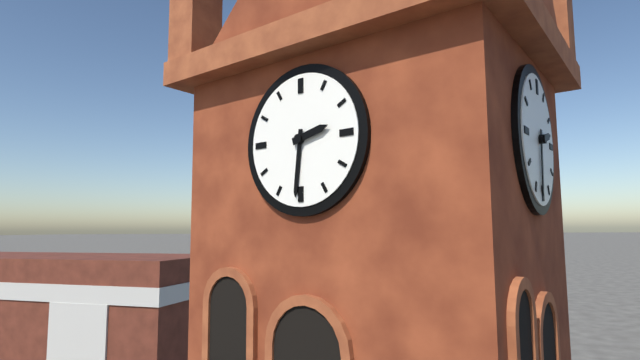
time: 2:31
